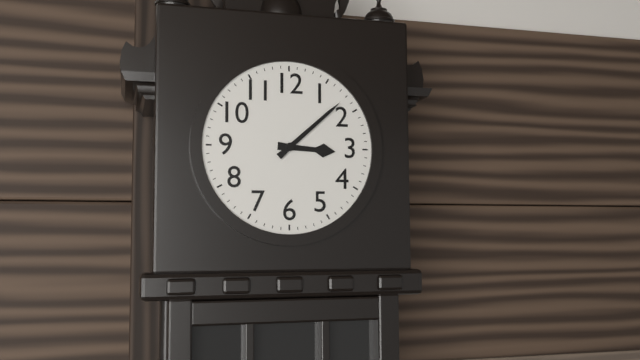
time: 3:08
